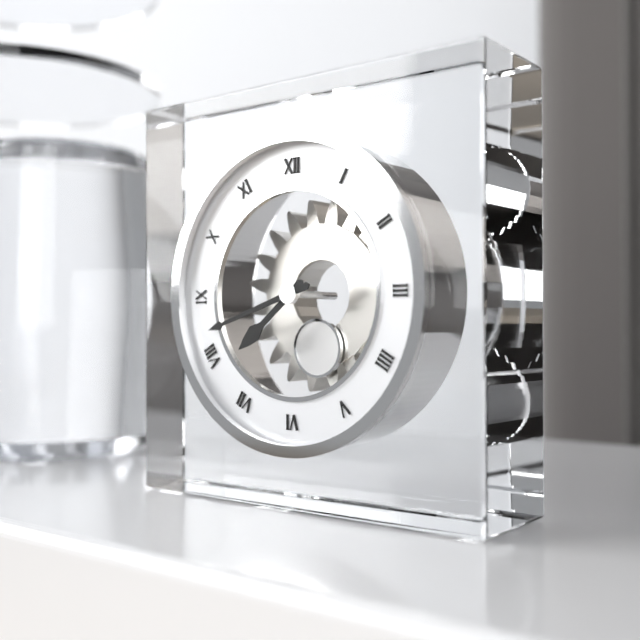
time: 7:42
